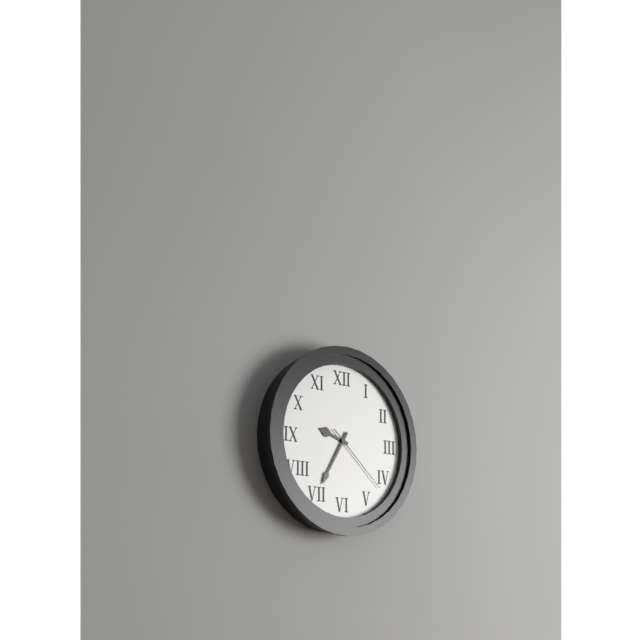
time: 9:35:22
